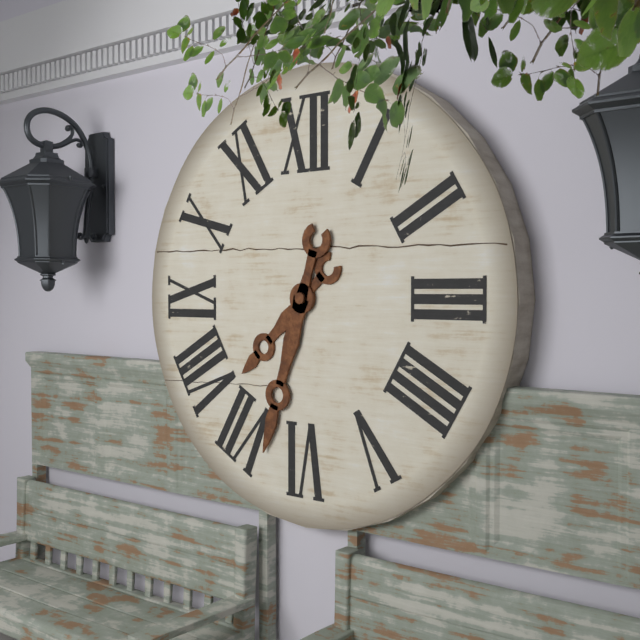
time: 7:33
